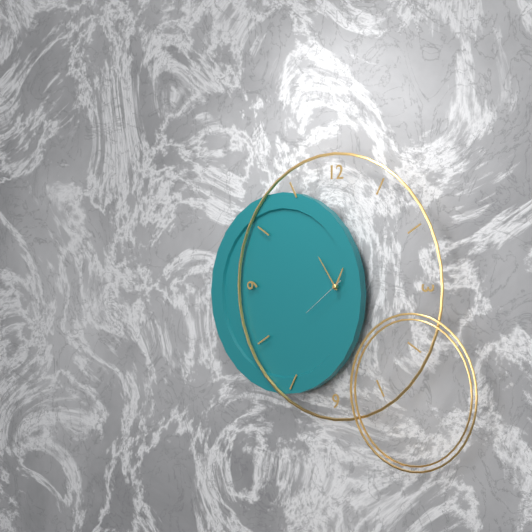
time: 12:54:39
